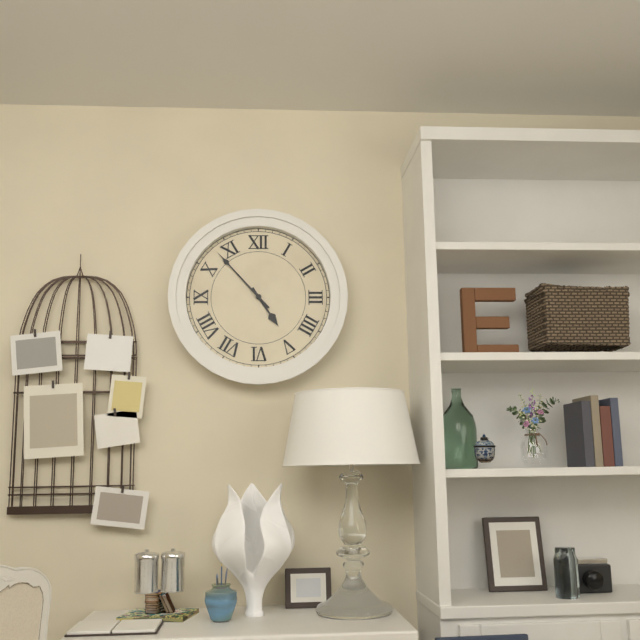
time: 4:53
